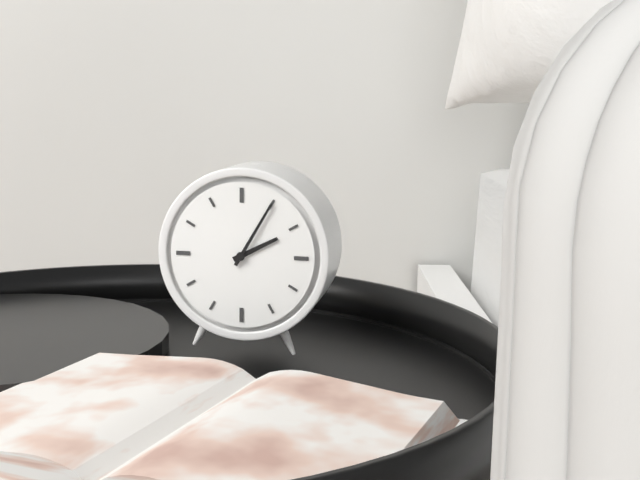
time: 2:05
